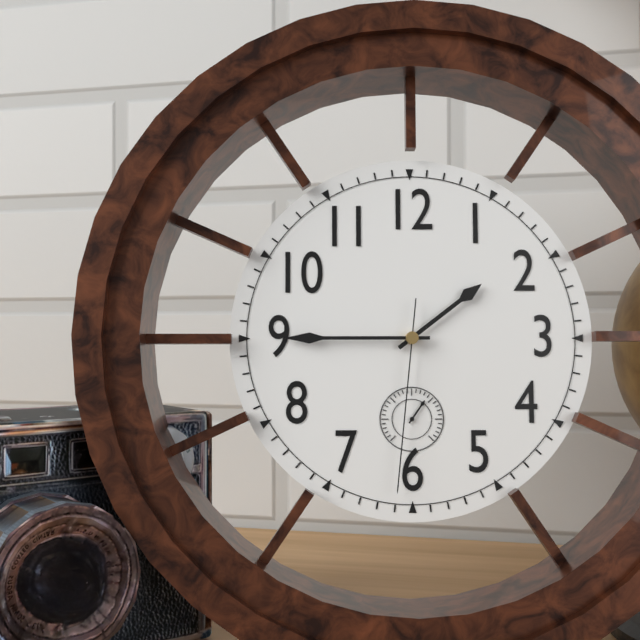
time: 1:45:31
